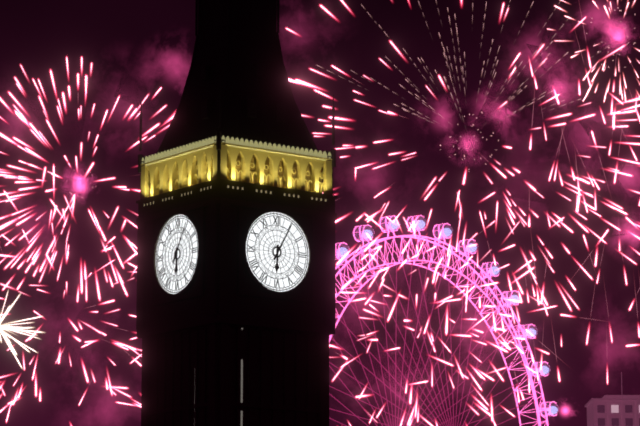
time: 6:05
